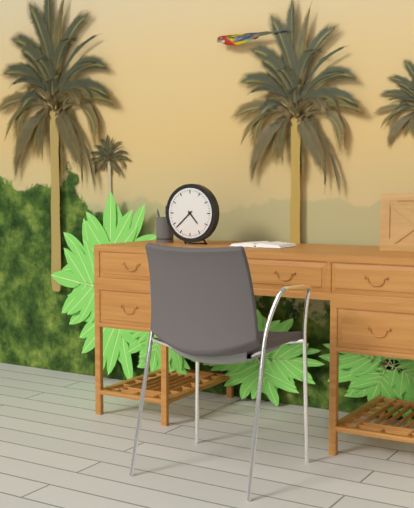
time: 4:38
